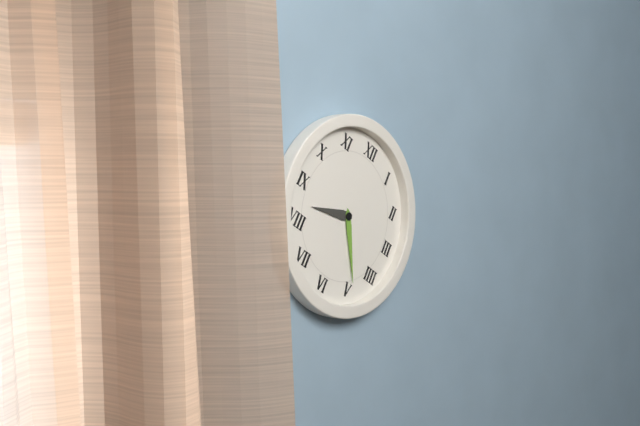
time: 8:24
